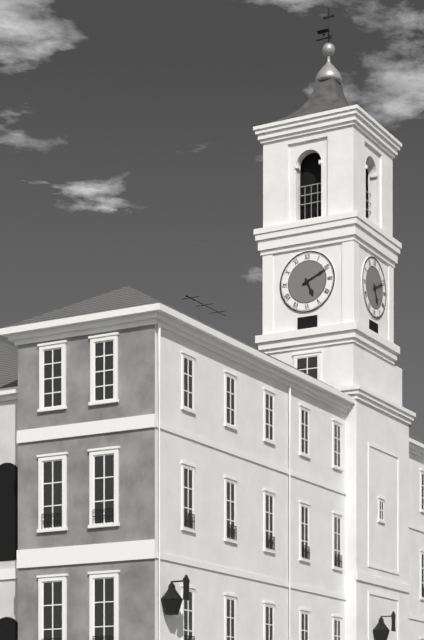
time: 5:11
